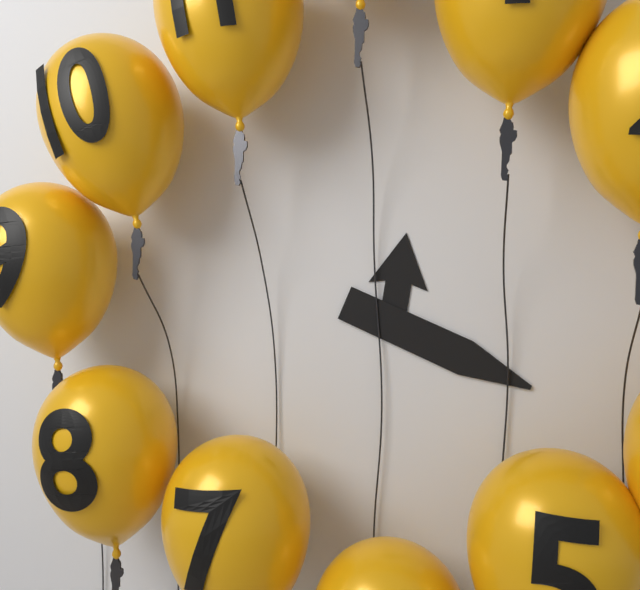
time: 12:19
